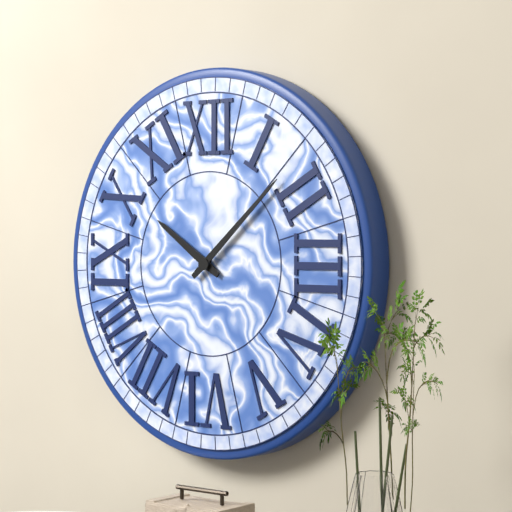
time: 10:08
